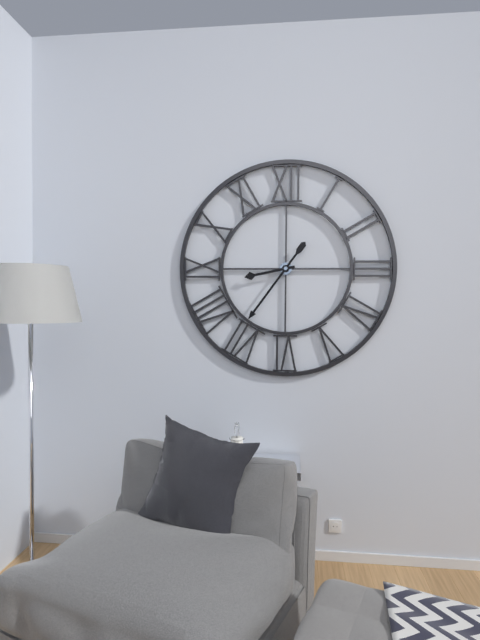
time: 8:36
